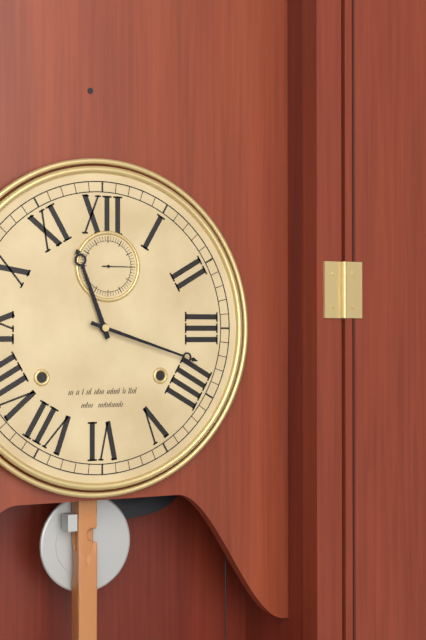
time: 11:18
